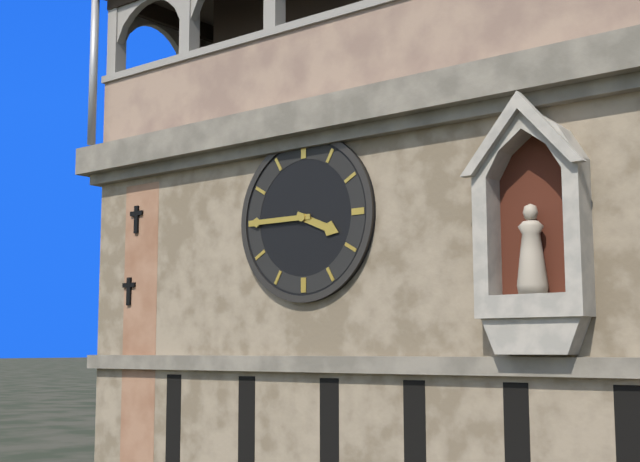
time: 3:45
